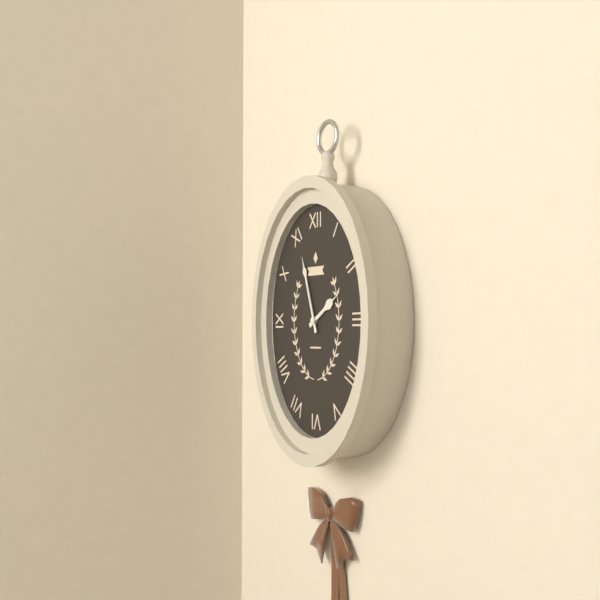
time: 1:57
